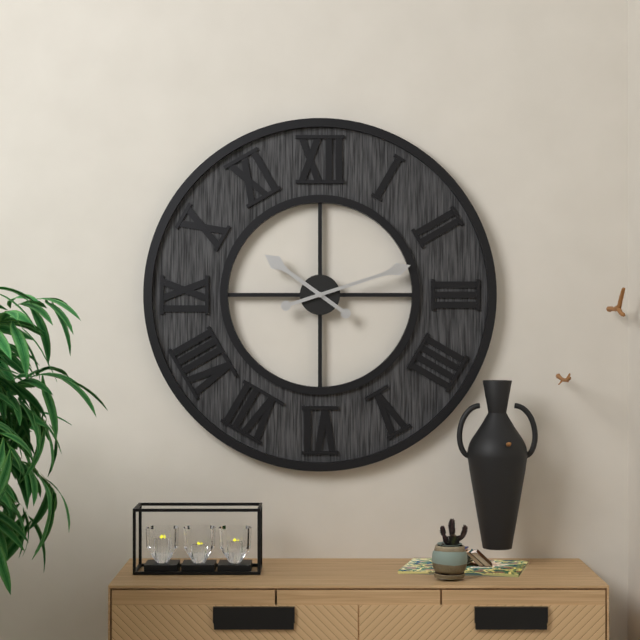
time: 10:12
